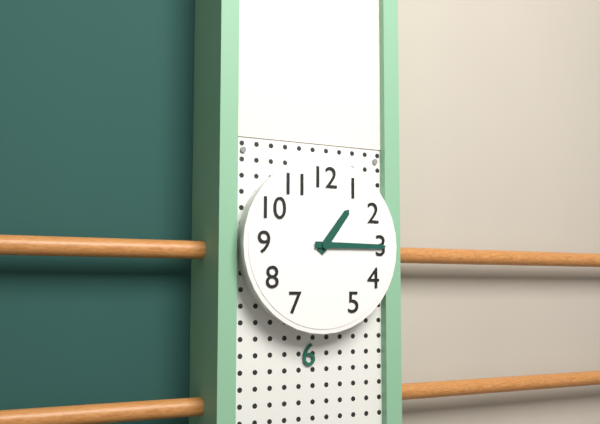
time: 1:15
